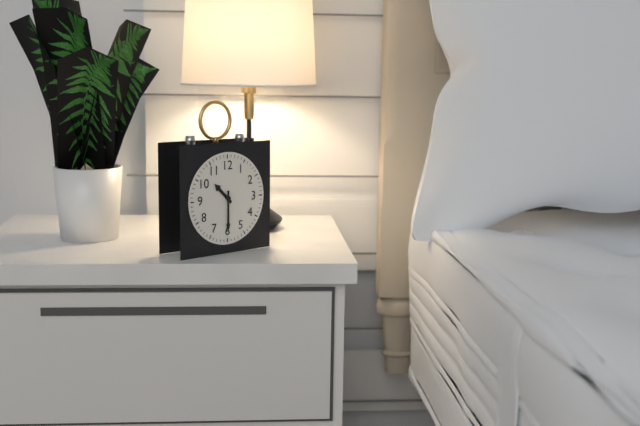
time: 10:30
